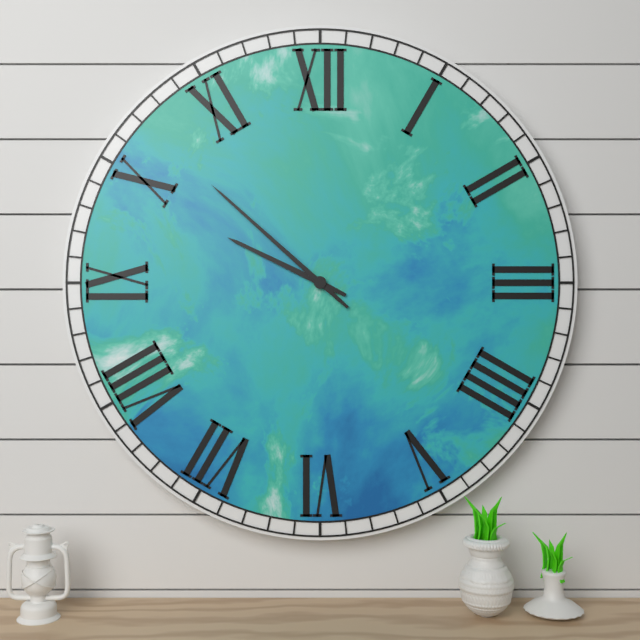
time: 9:52
